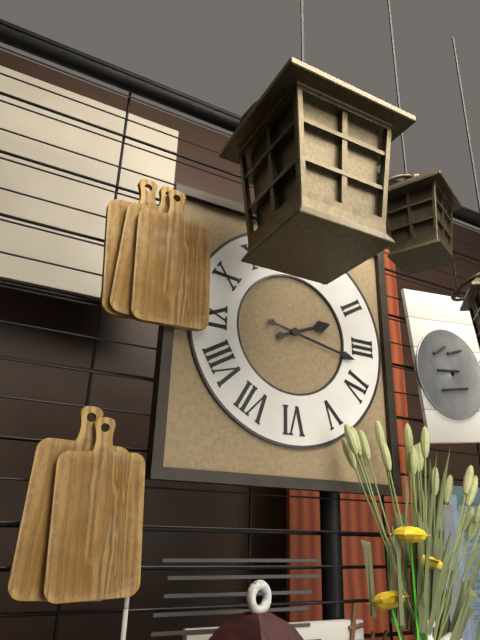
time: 2:17
